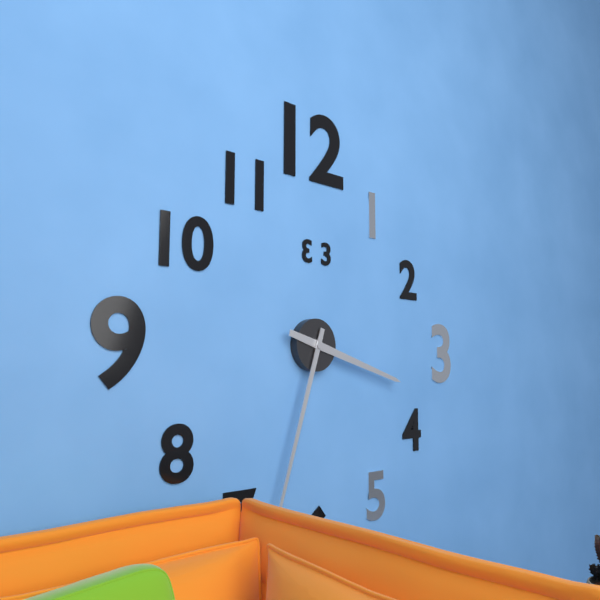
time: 3:33
